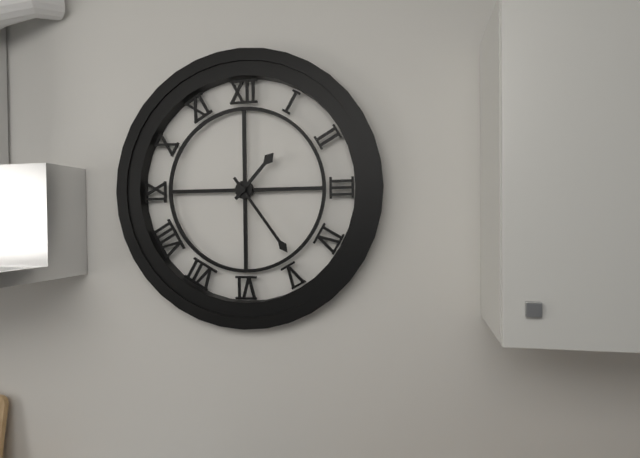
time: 1:24
